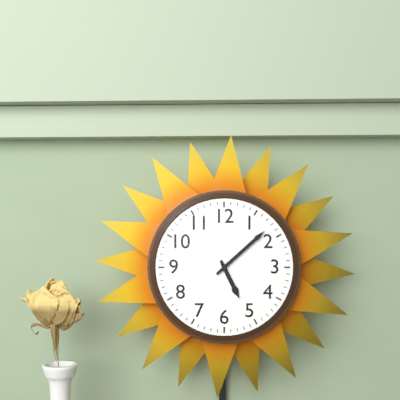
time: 5:08
